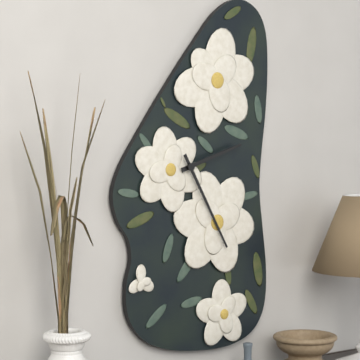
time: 2:25
